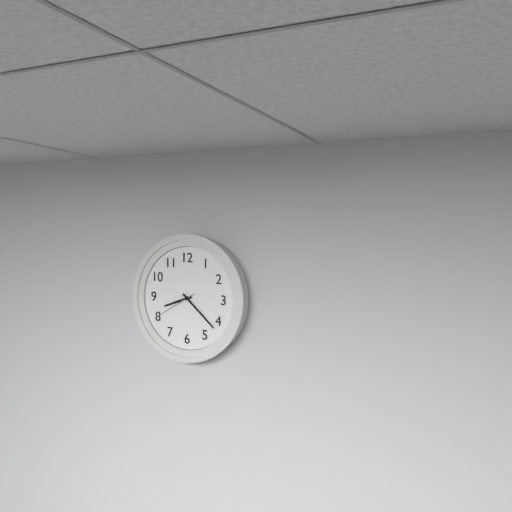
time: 8:22
